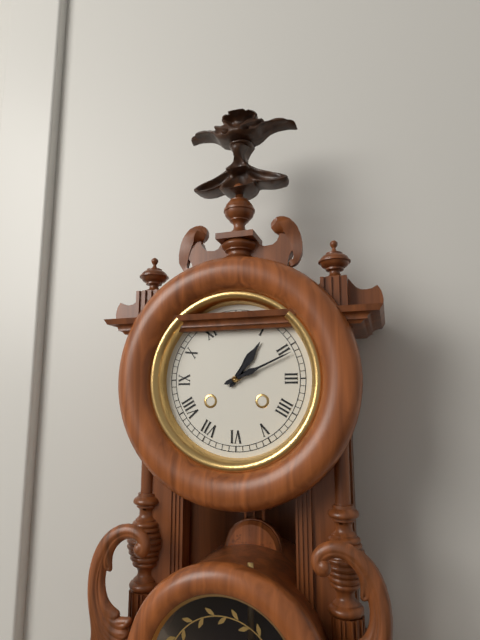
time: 1:11
